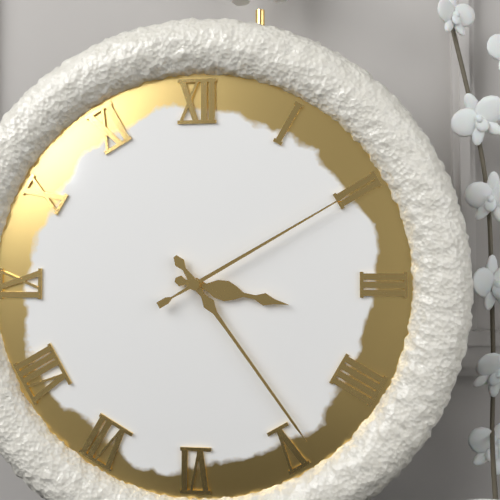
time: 3:24:10
